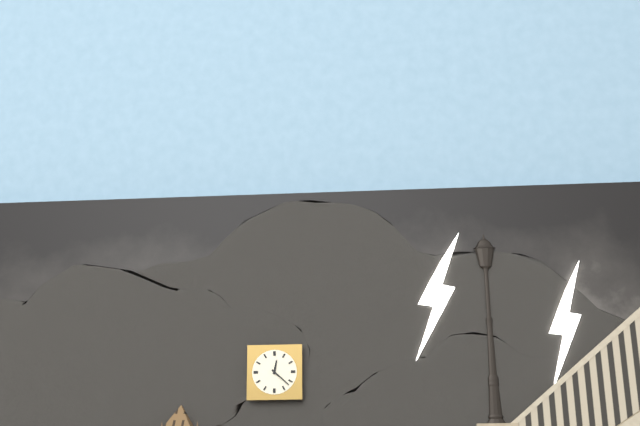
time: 12:22
